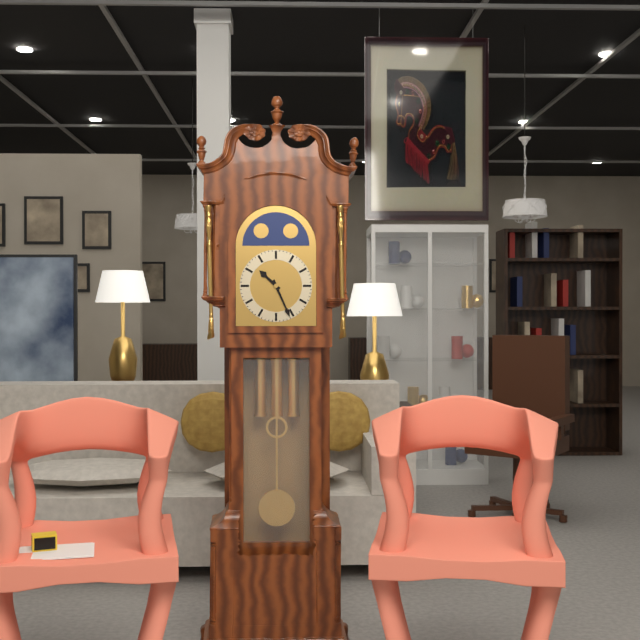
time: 10:26
